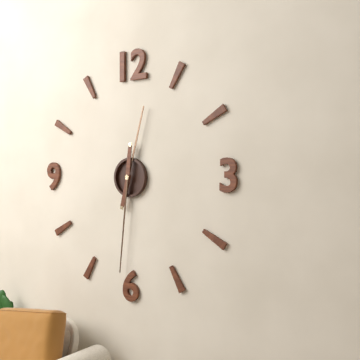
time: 12:31
